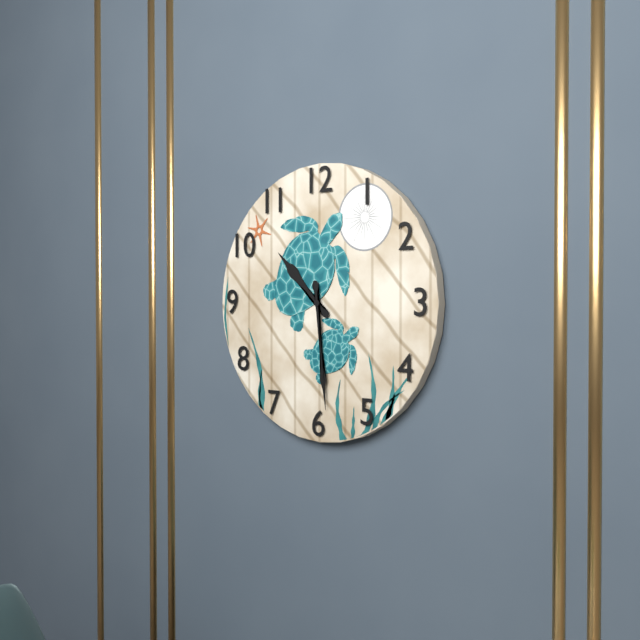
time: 10:29
